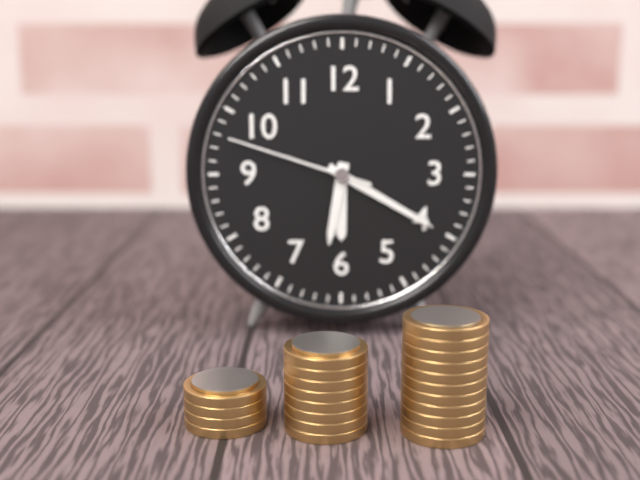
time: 6:20:48
